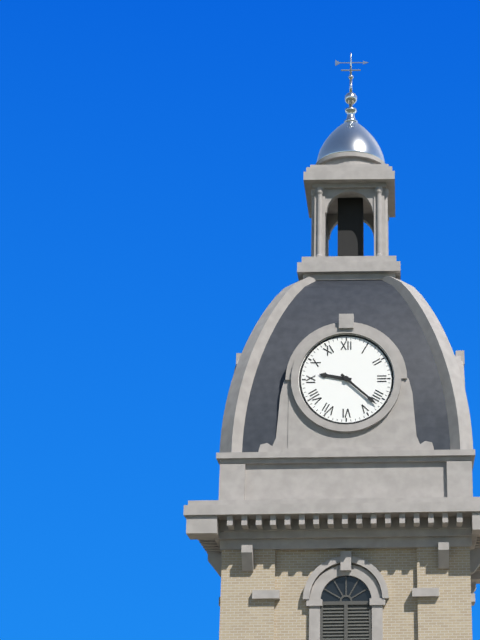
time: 9:22
